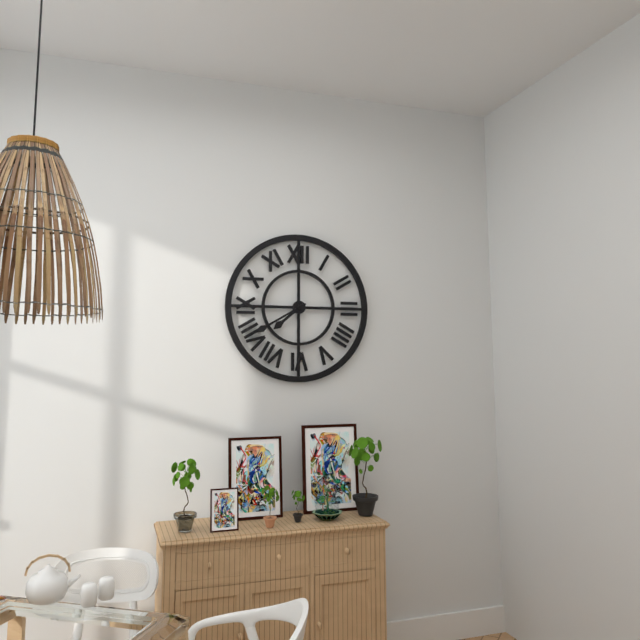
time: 7:40
